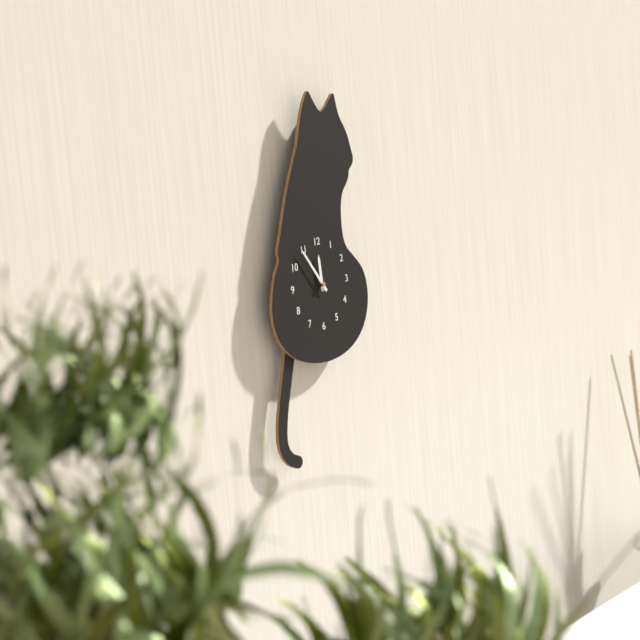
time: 11:54
